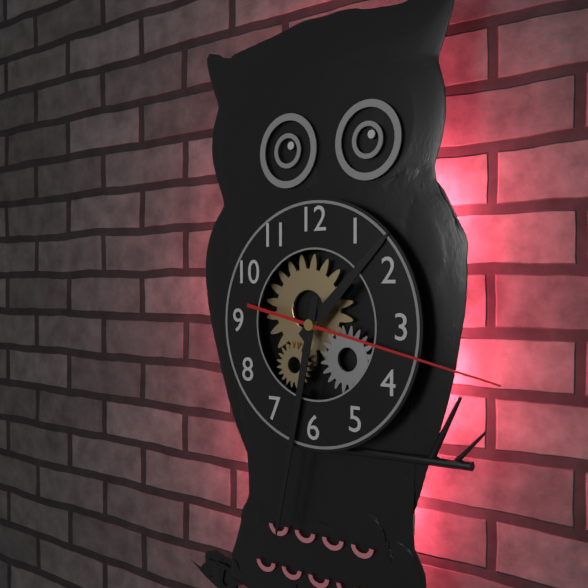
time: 1:32:17
